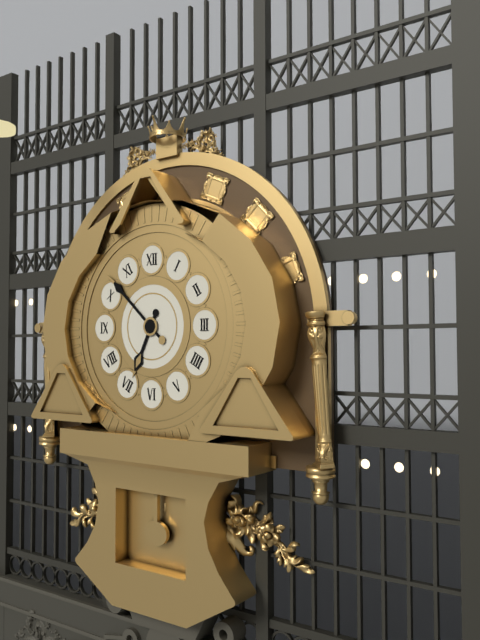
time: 6:52
